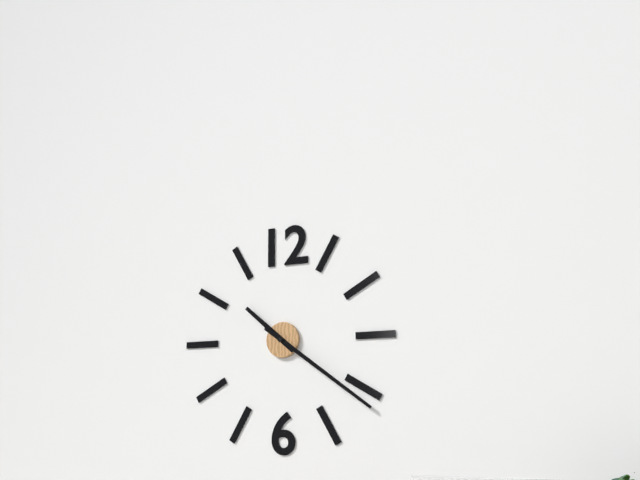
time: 10:21
